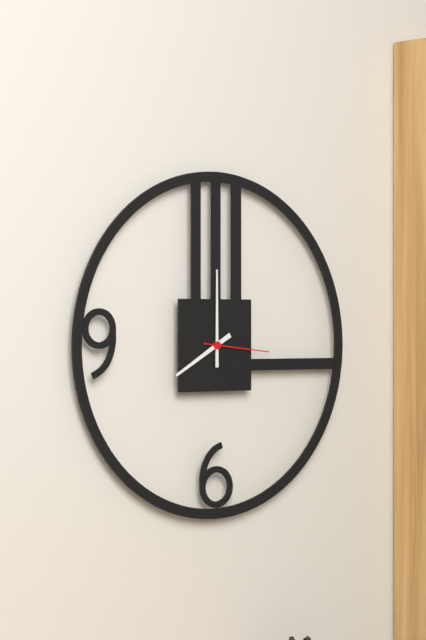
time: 8:00:16
